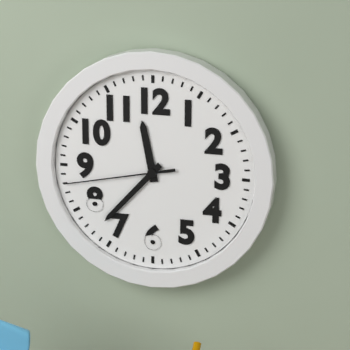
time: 11:37:43
